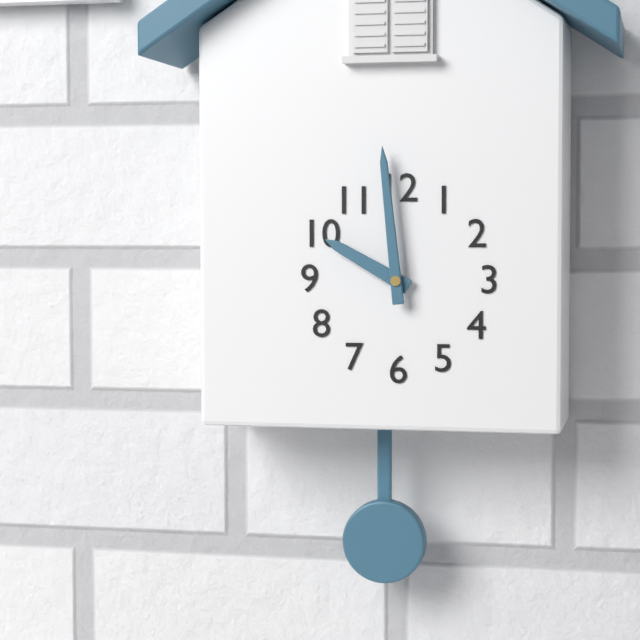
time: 9:59
